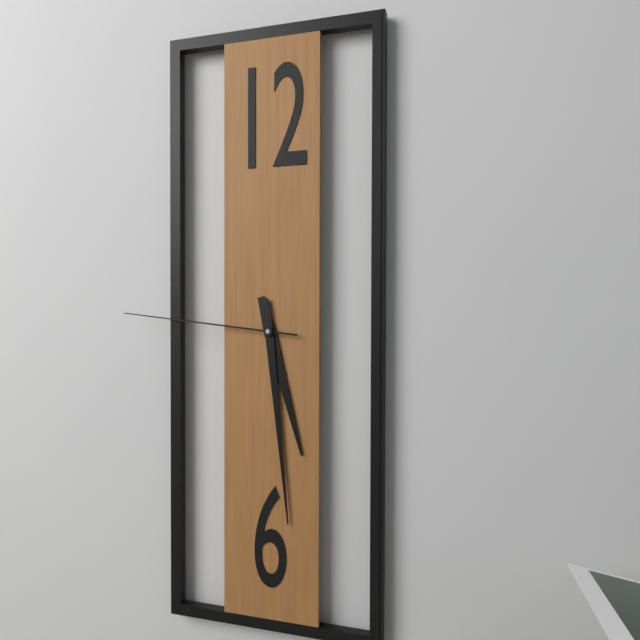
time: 5:29:46
